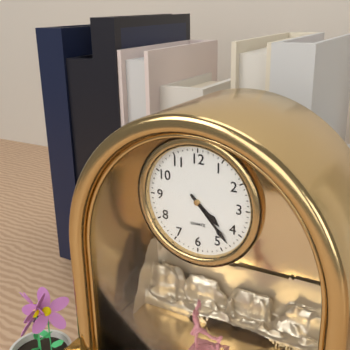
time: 4:23
